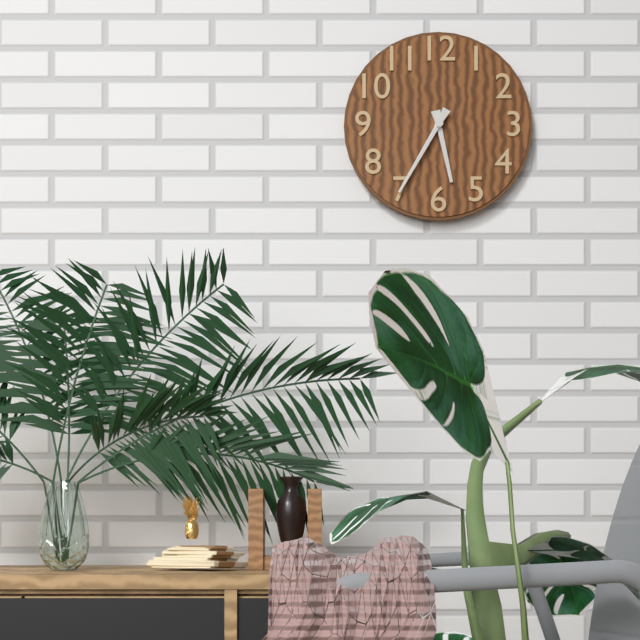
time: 5:35
